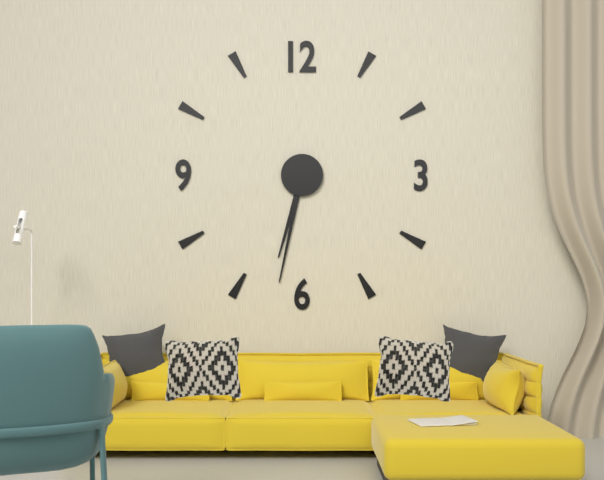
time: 6:32
